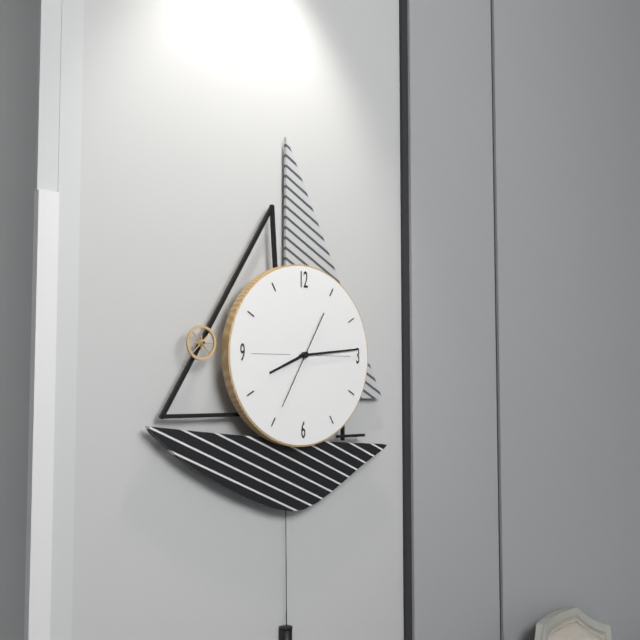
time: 8:14:35
